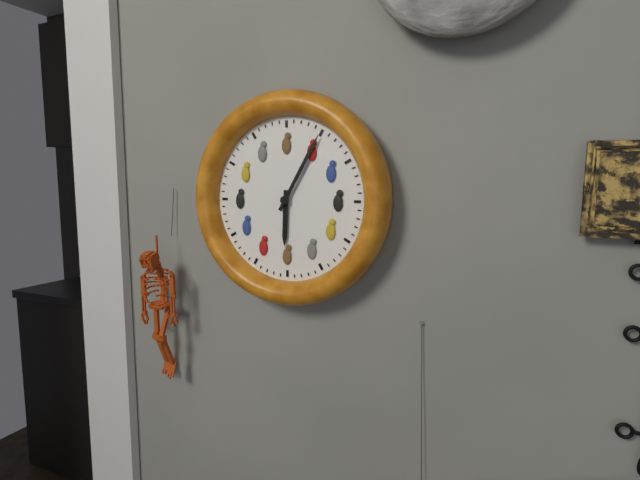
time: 6:05
